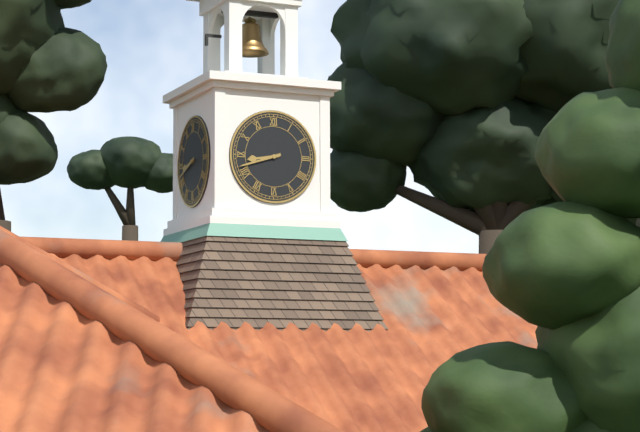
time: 8:42
